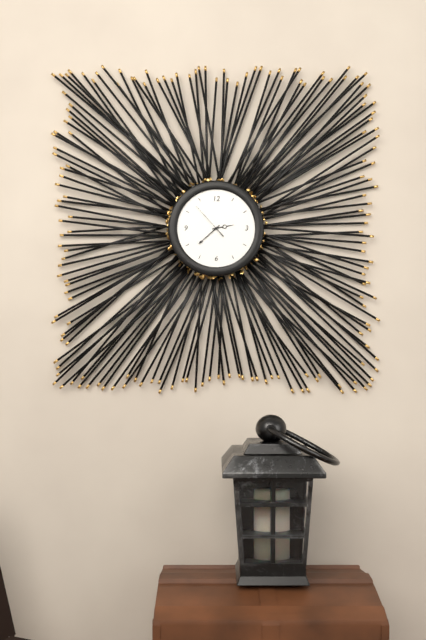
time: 2:38
